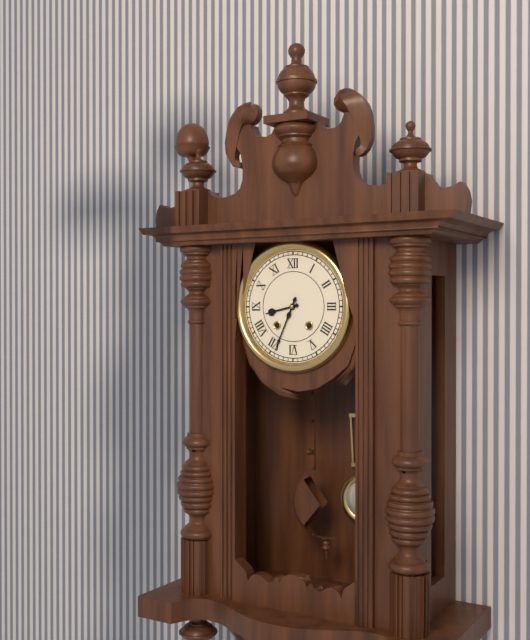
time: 8:34
